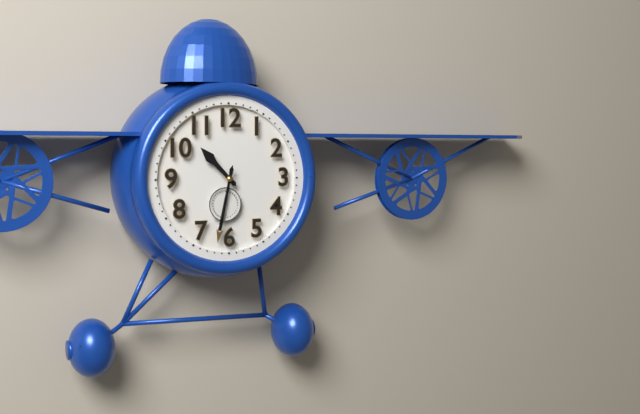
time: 10:32
